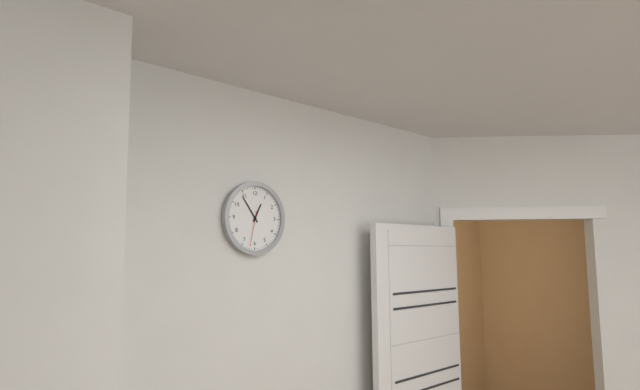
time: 12:54
